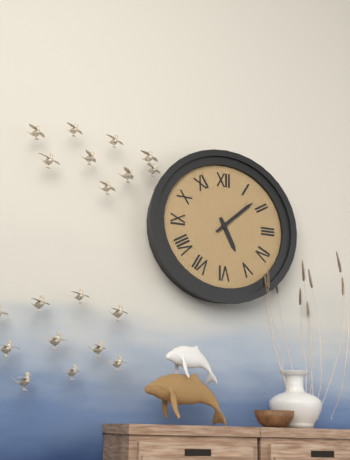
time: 5:08
